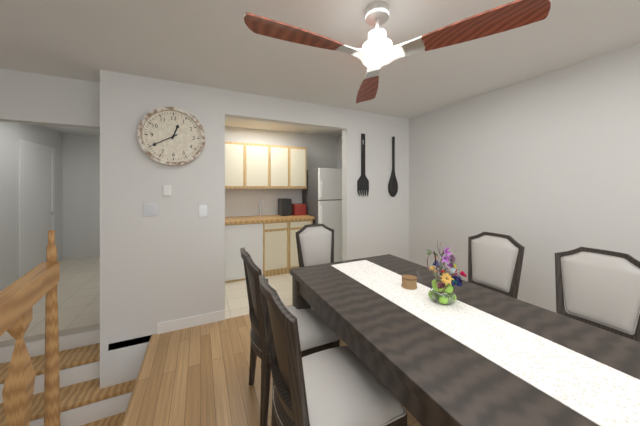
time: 12:40
